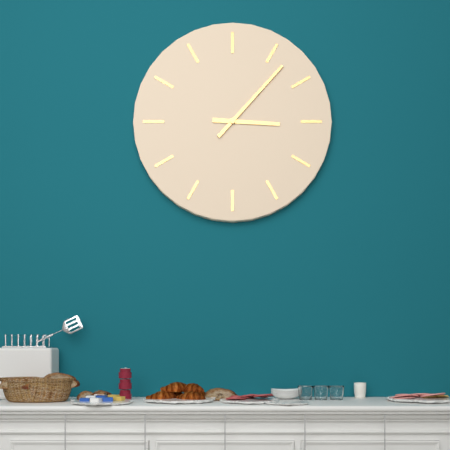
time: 3:07
